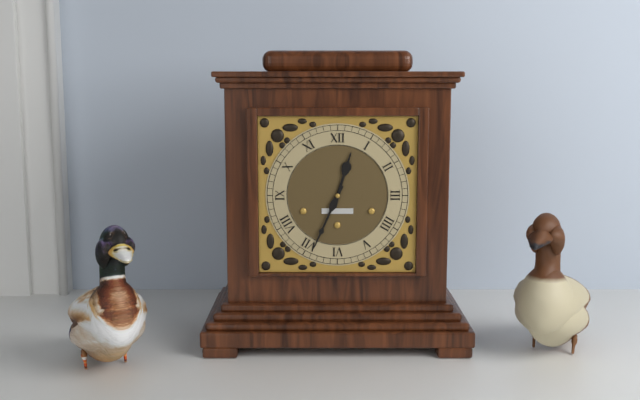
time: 12:34
